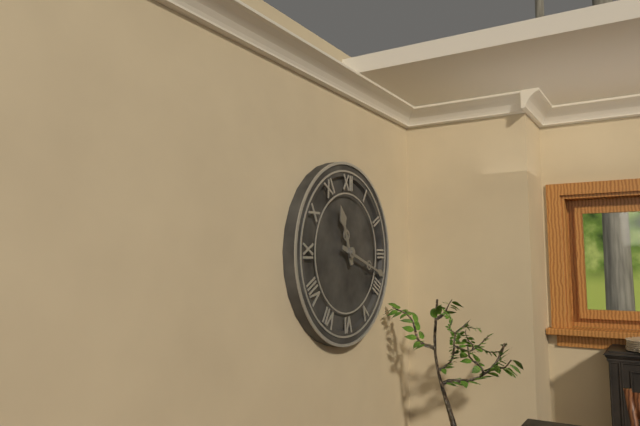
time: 11:18
